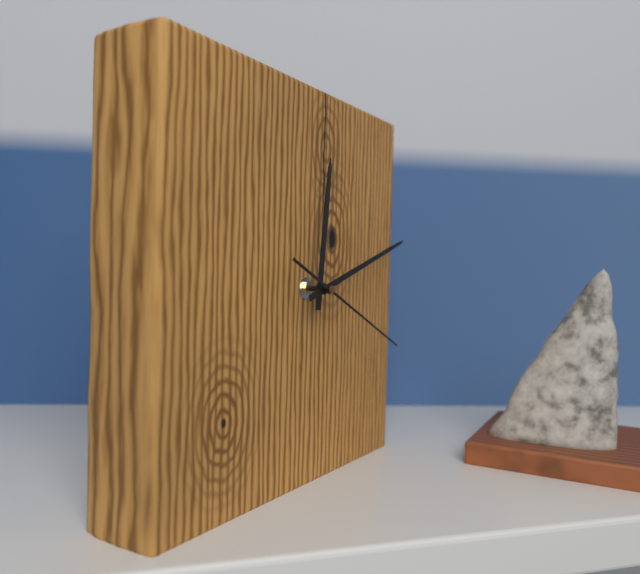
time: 12:12:19
